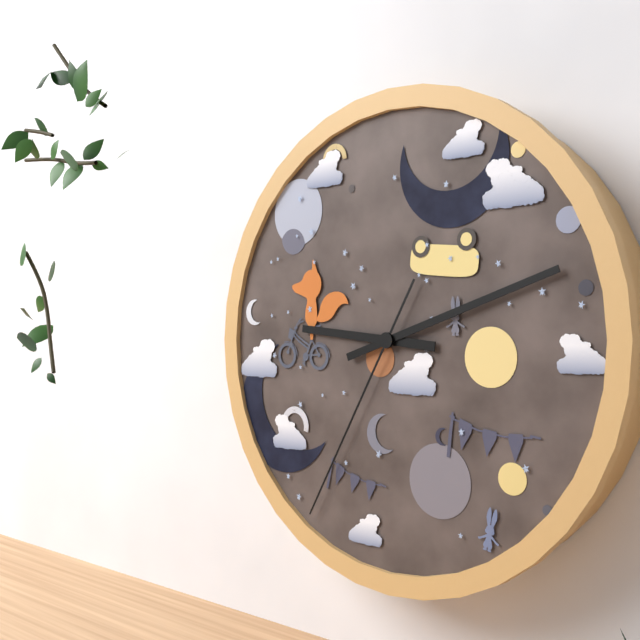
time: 9:12:35
